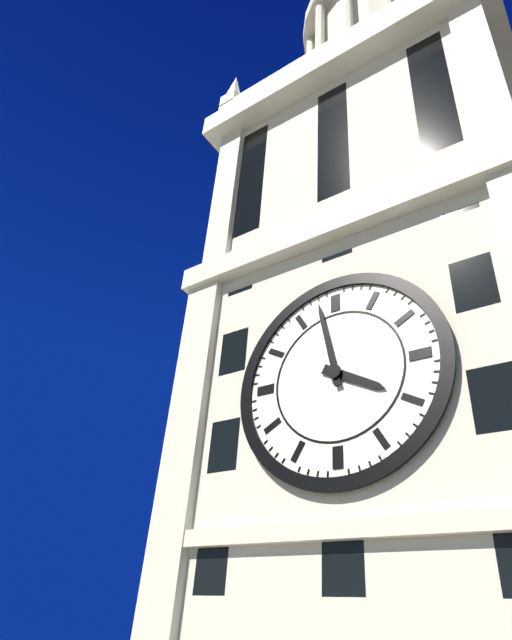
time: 3:58
